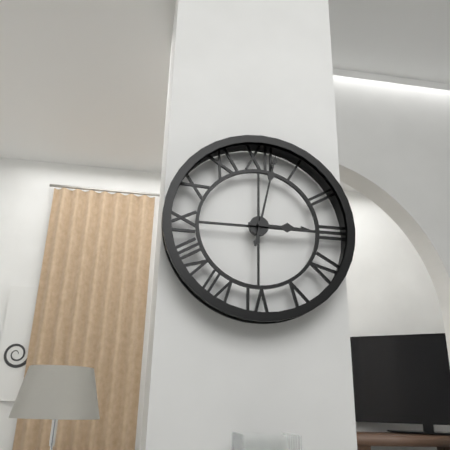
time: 3:02
